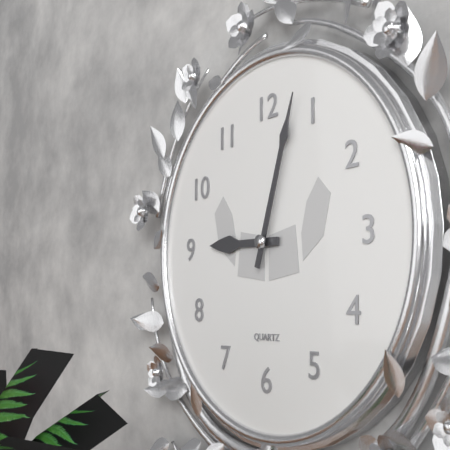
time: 9:03
